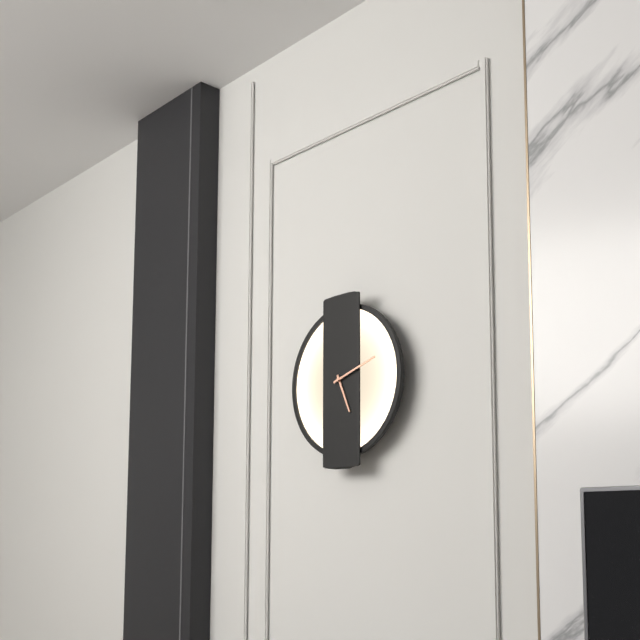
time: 5:12
